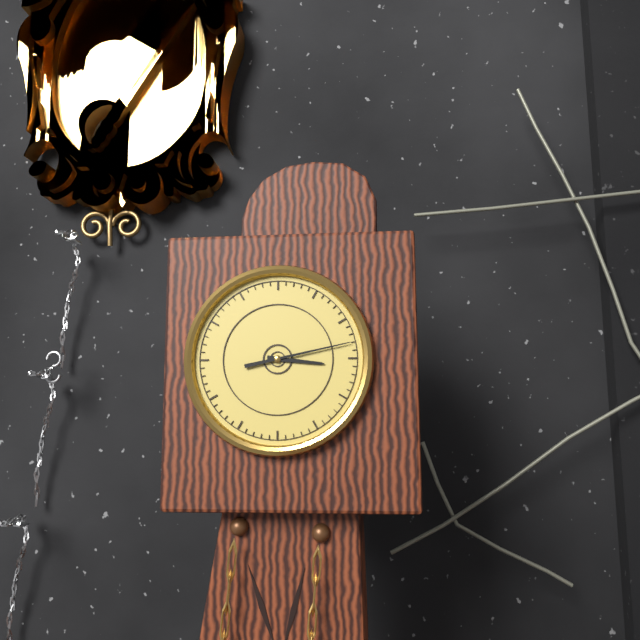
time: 3:13
